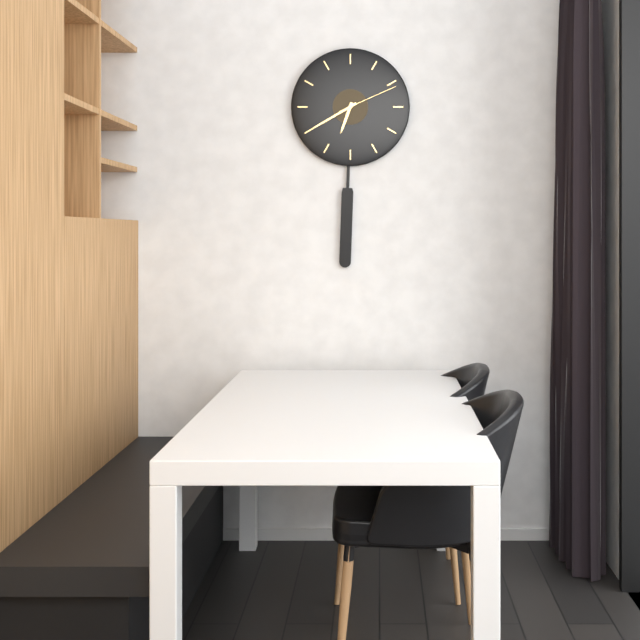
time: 6:40:11
